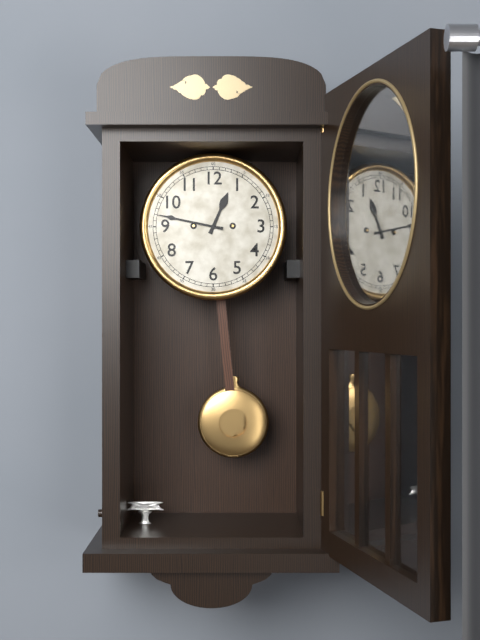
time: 12:47
